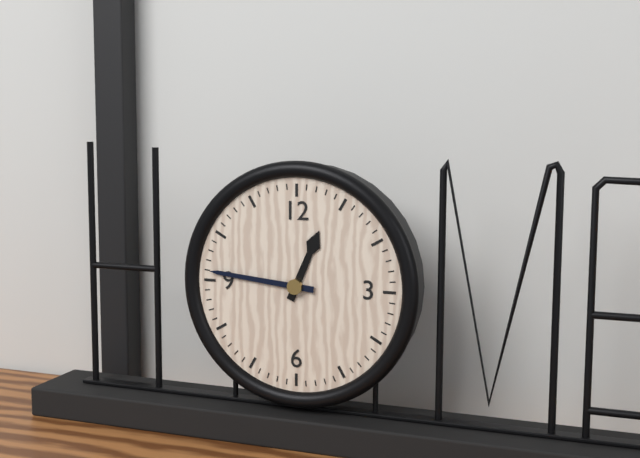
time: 12:46
